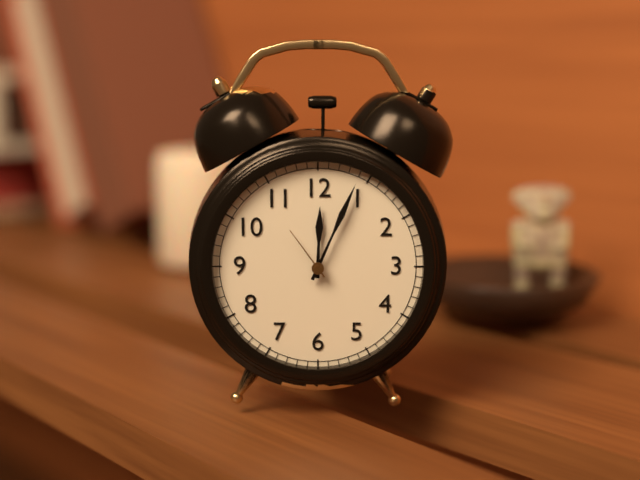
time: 12:04:54
